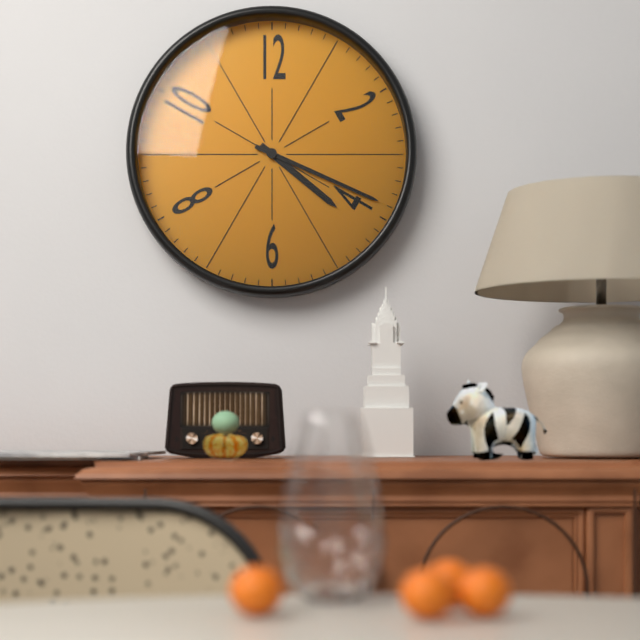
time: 4:19
